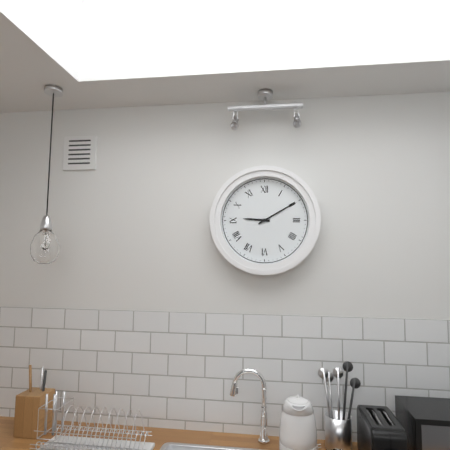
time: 9:10
